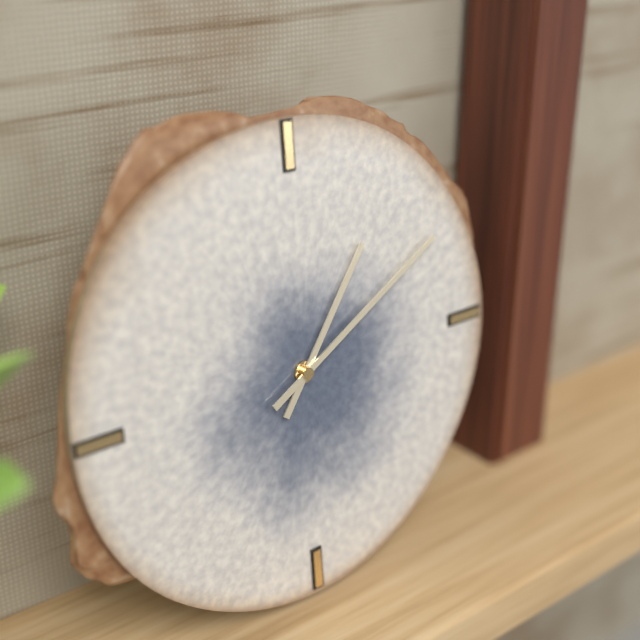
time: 1:10
